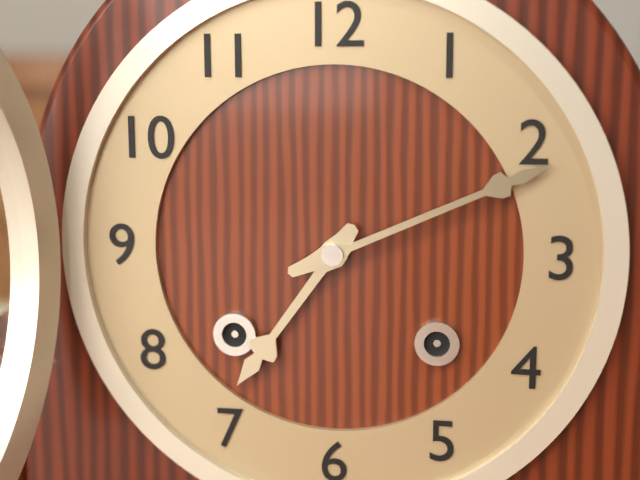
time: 7:11
